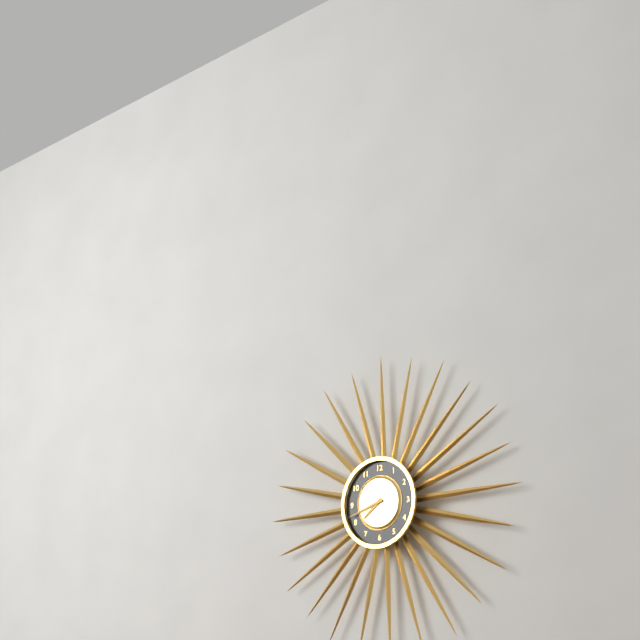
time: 7:42
